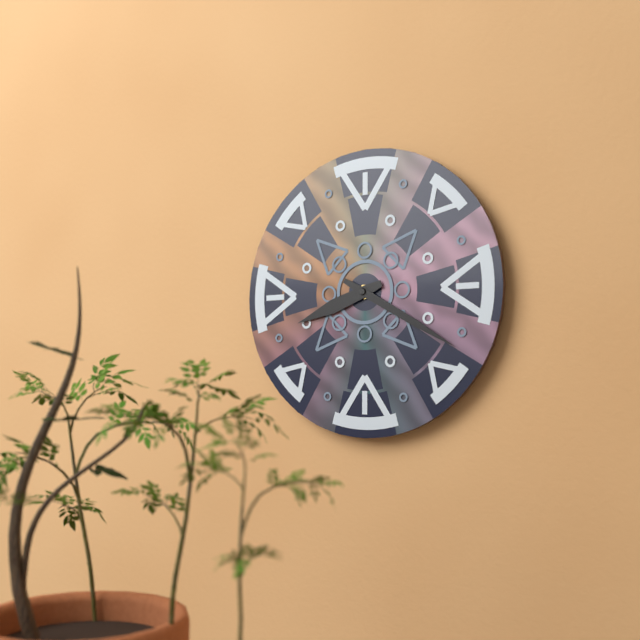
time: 8:20
